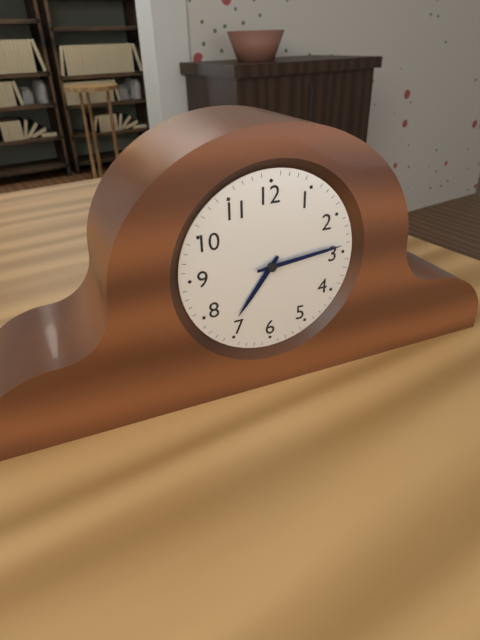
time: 7:14
